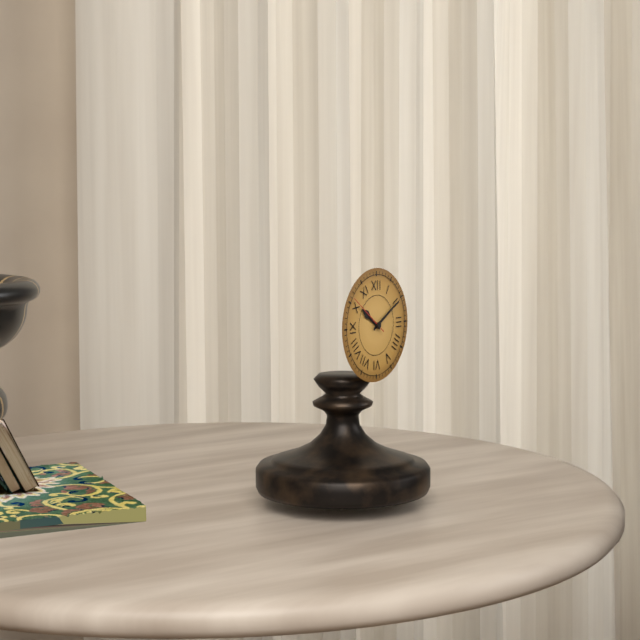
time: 10:10
